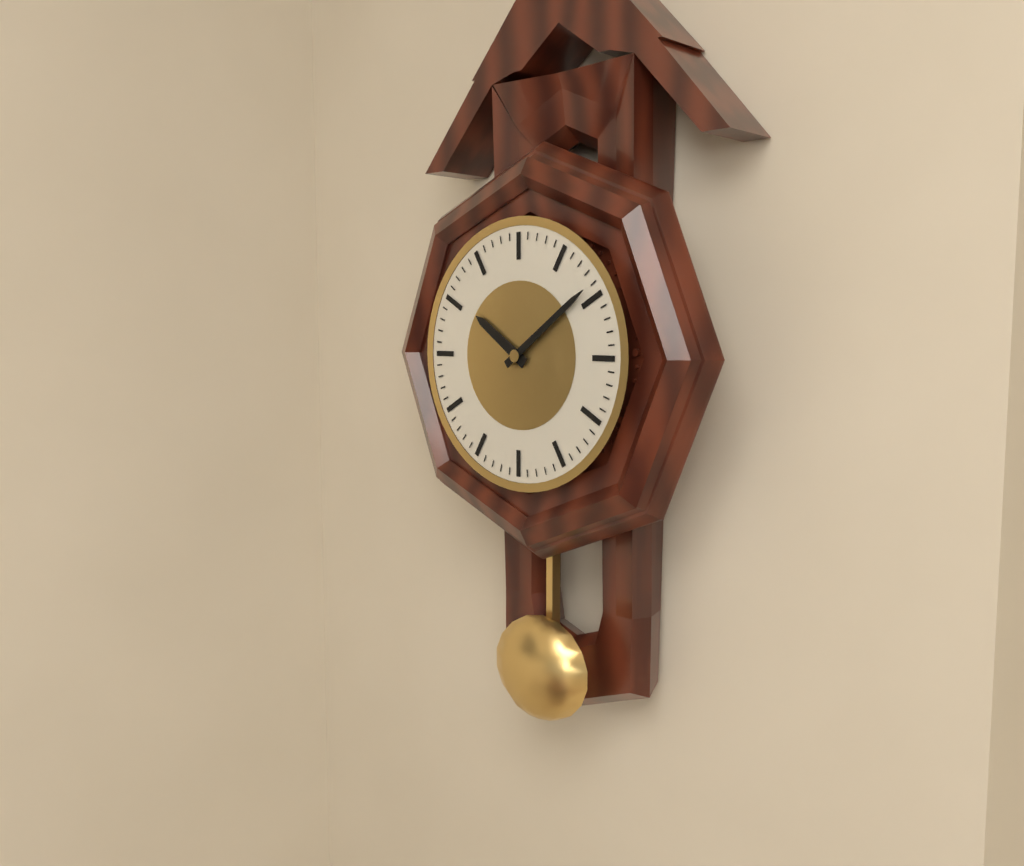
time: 10:09
